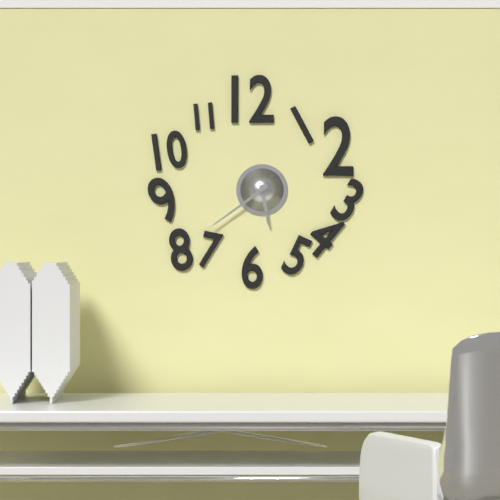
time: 5:39
